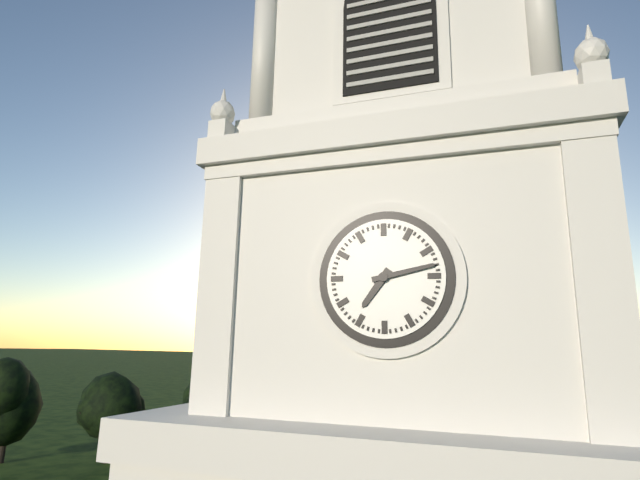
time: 7:13
